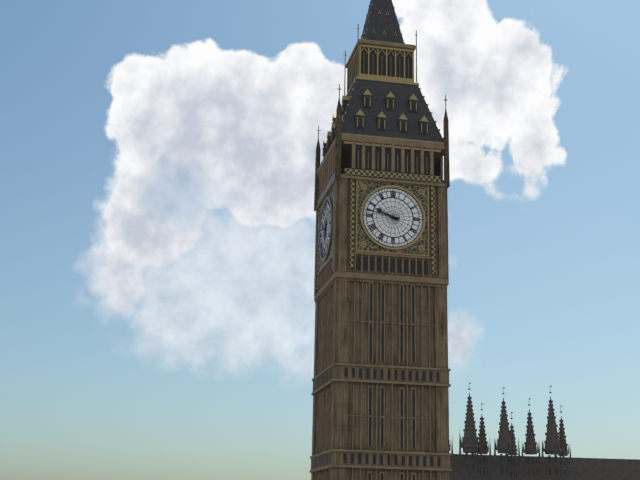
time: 9:47
